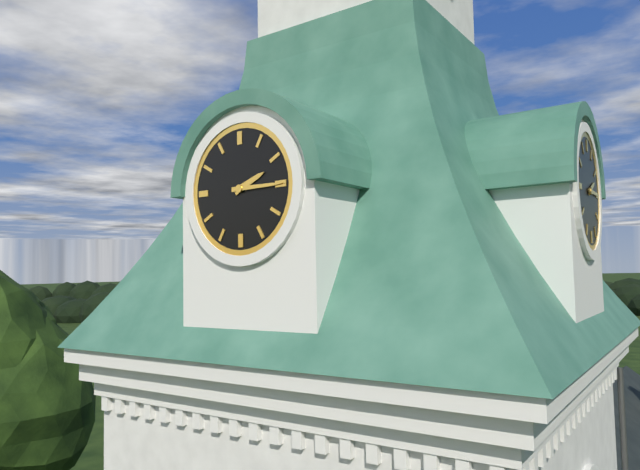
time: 2:15
